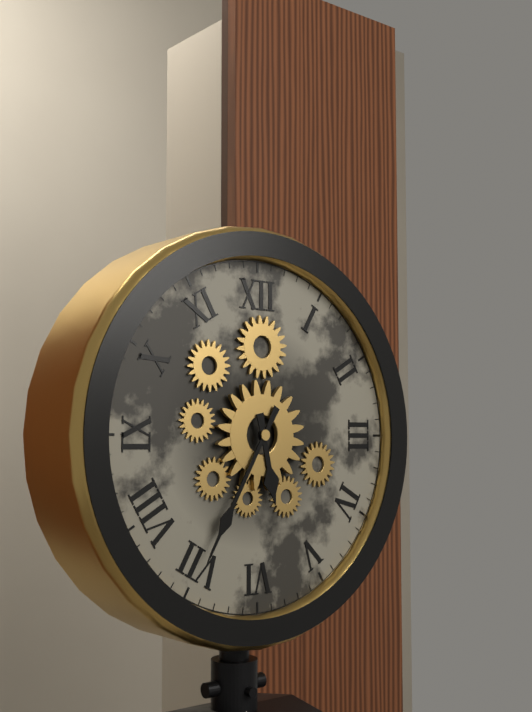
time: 5:35
